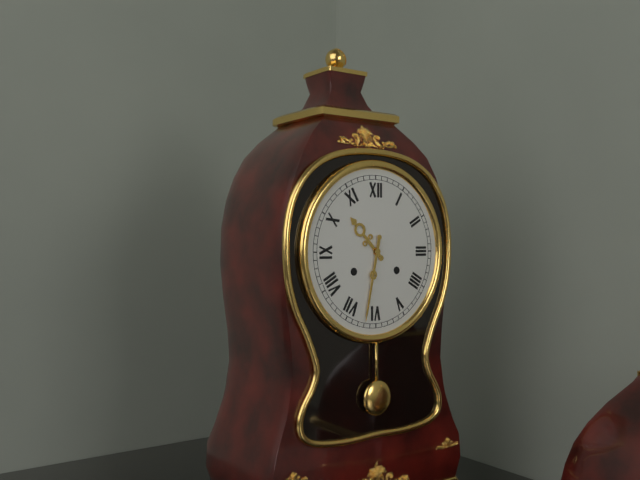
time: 10:32
